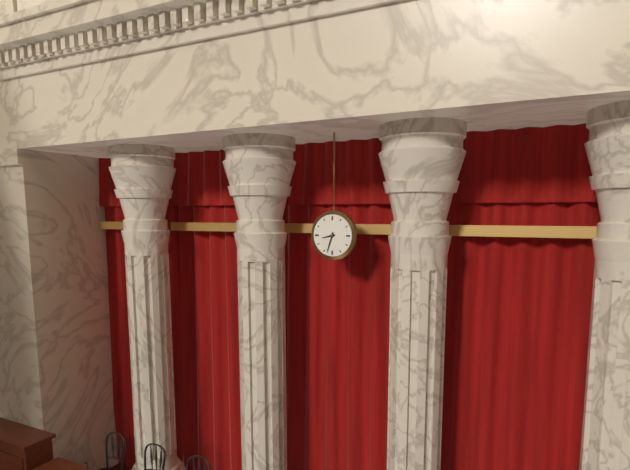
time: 8:33
